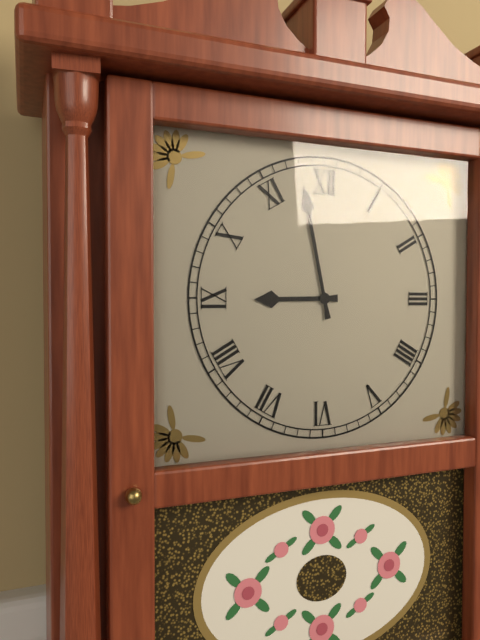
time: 8:58
